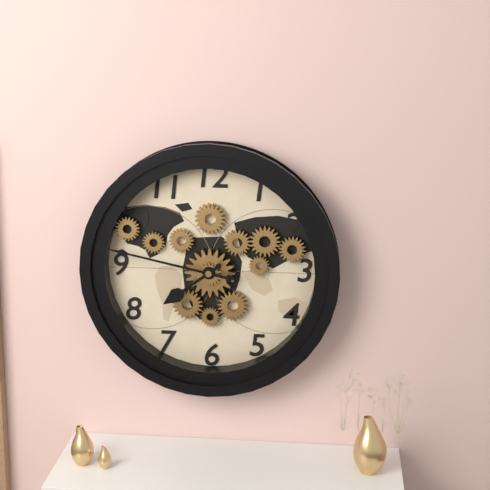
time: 7:47
